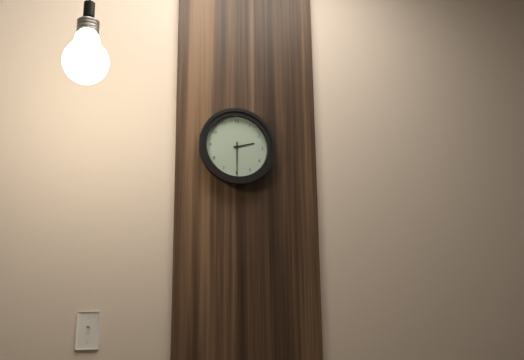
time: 2:30
